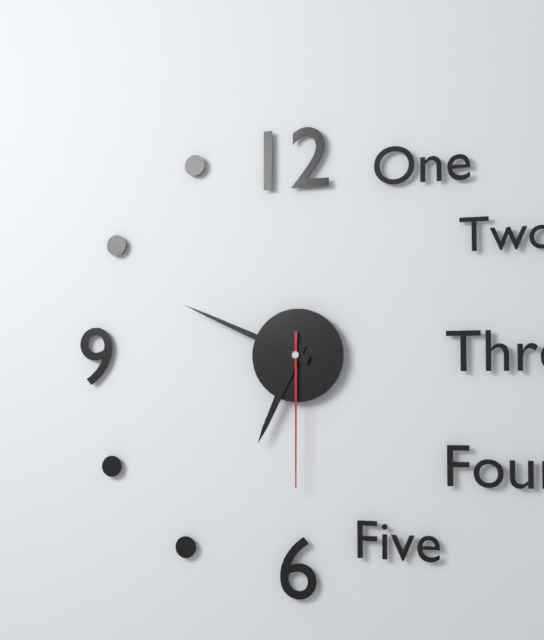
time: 6:49:30
